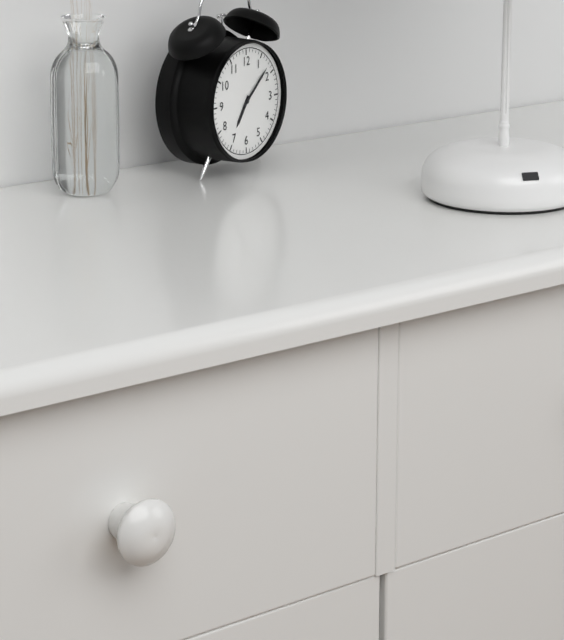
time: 7:08
